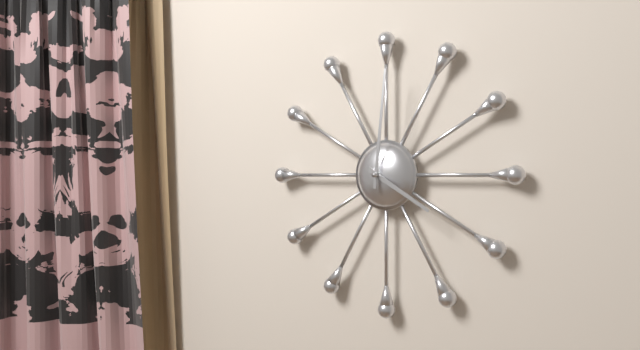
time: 4:01
